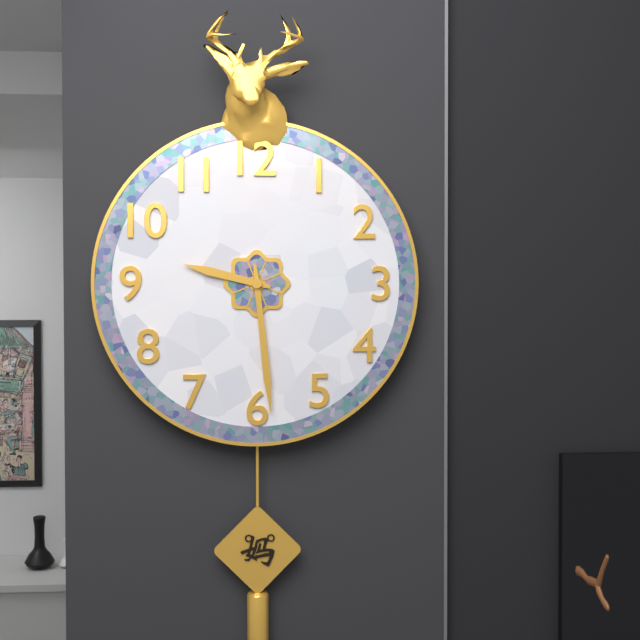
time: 9:29
